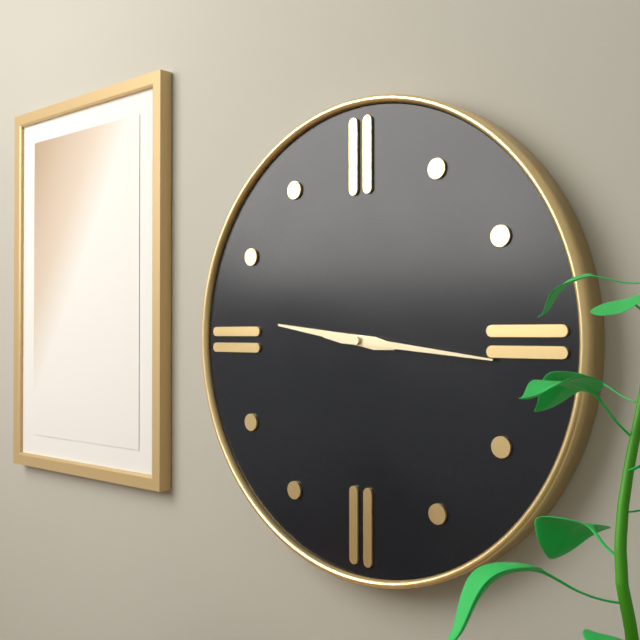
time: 9:16
